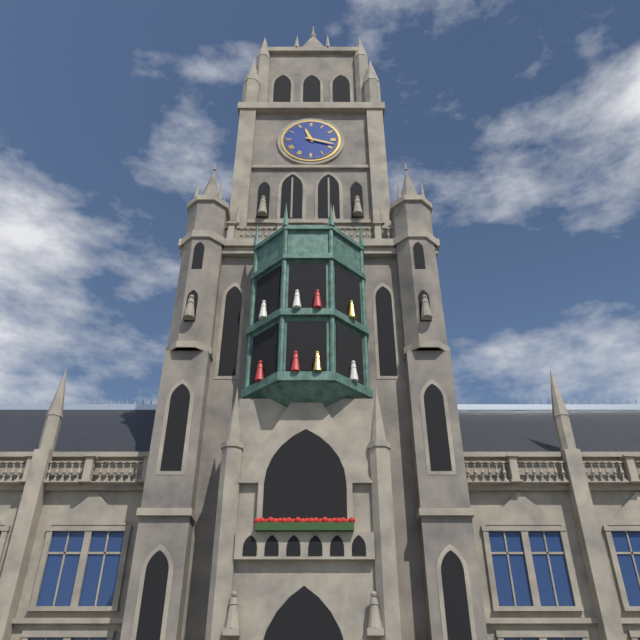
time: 11:18
